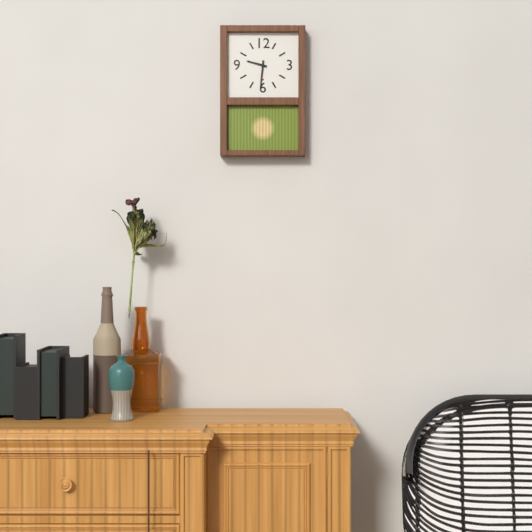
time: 9:31
